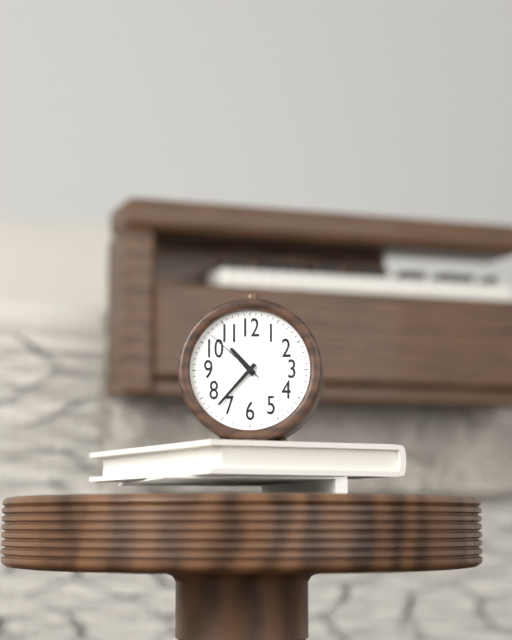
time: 10:37:52
